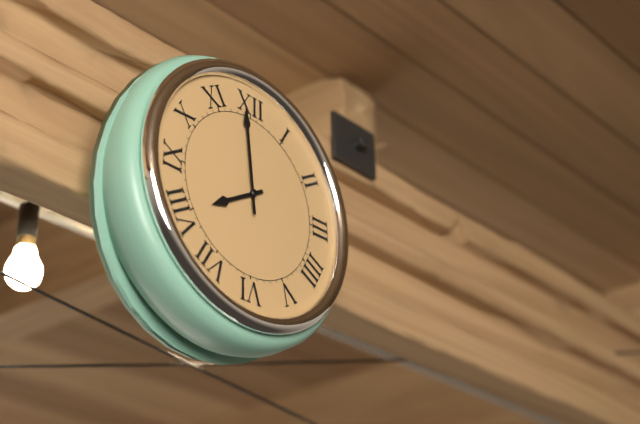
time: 7:59
